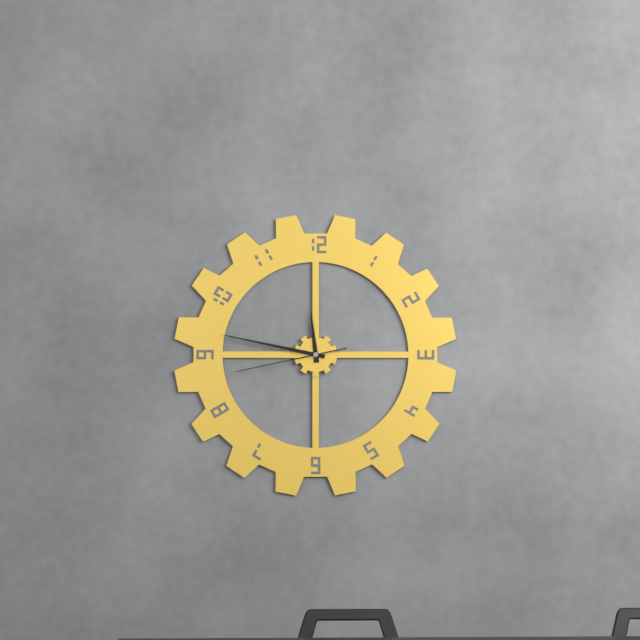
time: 11:47:43
